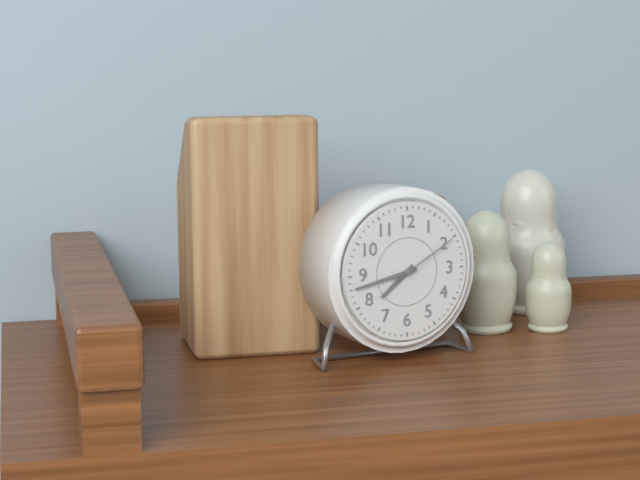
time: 7:43:10
